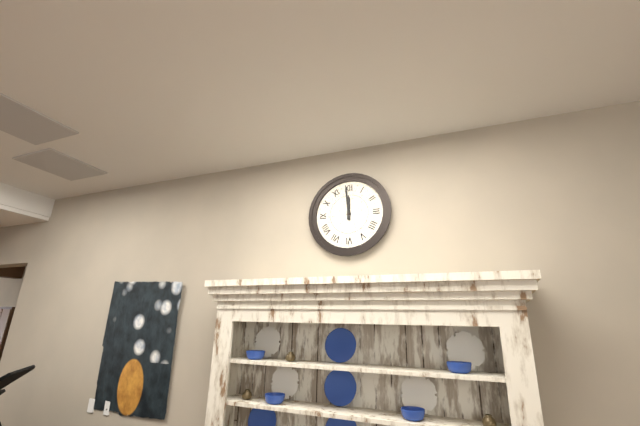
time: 11:59
